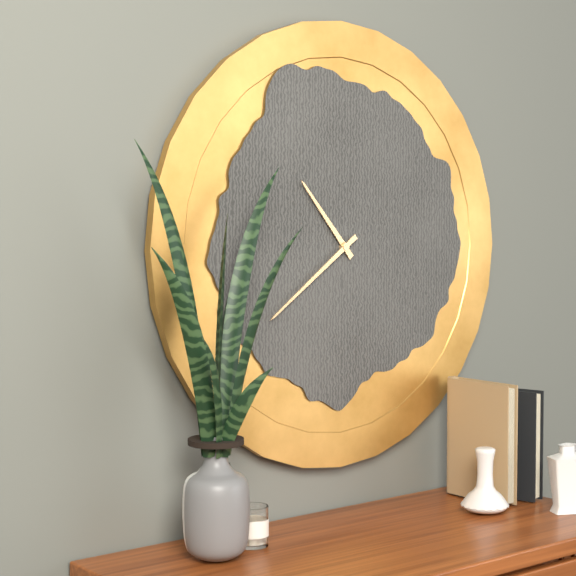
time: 10:39
